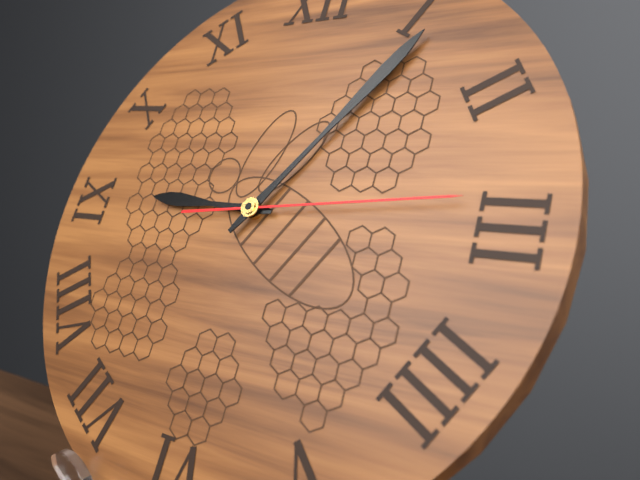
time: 9:06:14
